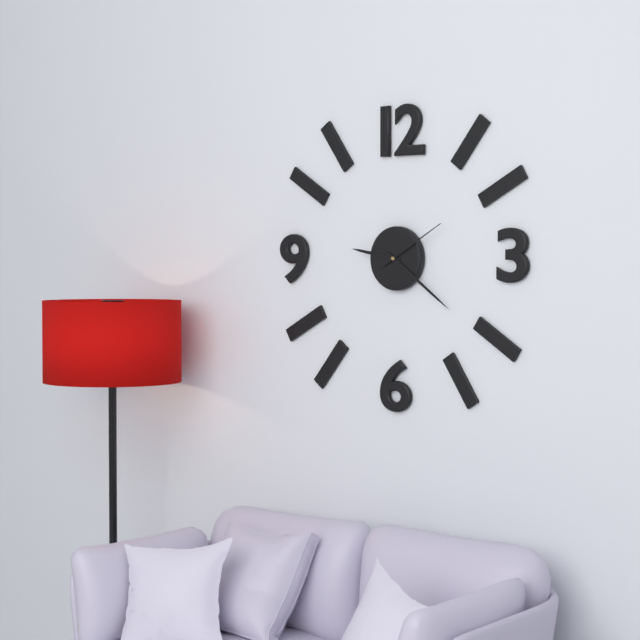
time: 9:21:10
